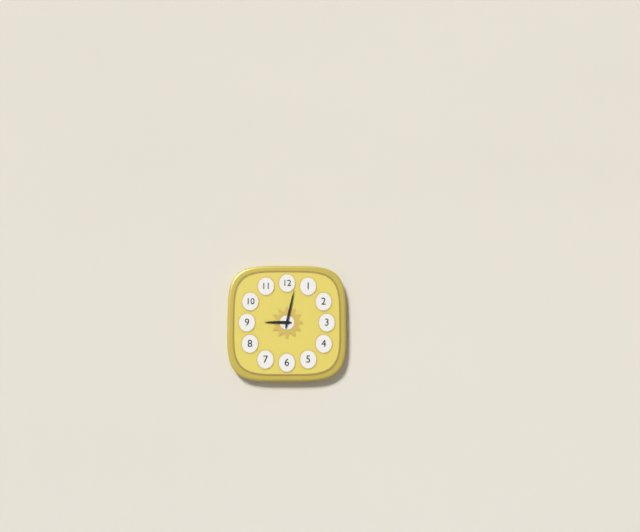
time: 9:02
